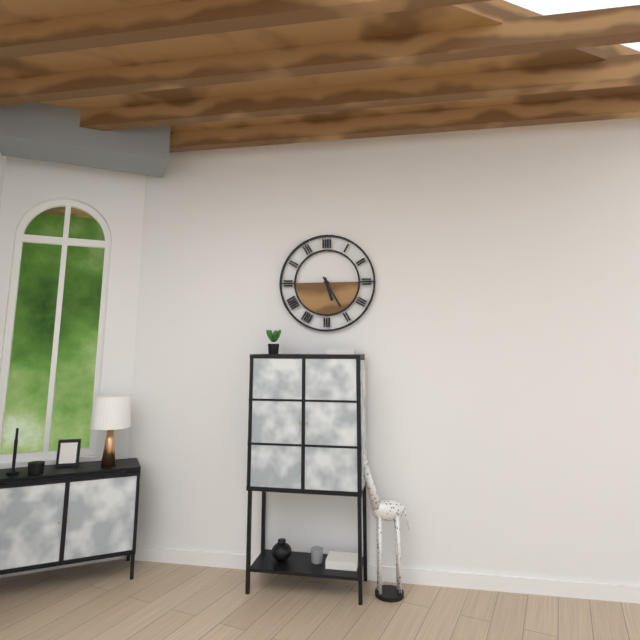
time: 5:25
